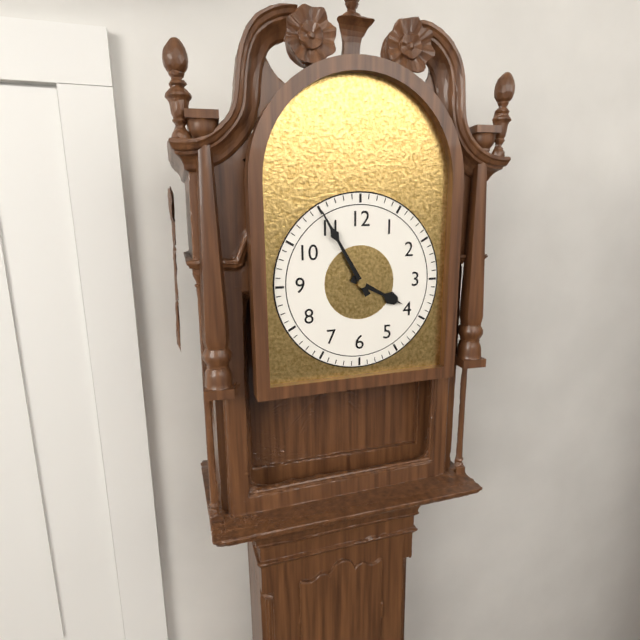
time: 3:55
